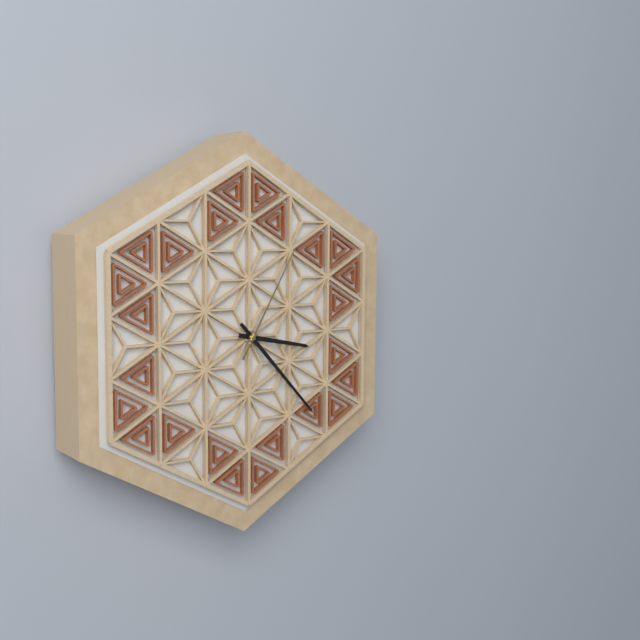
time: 3:23:05
